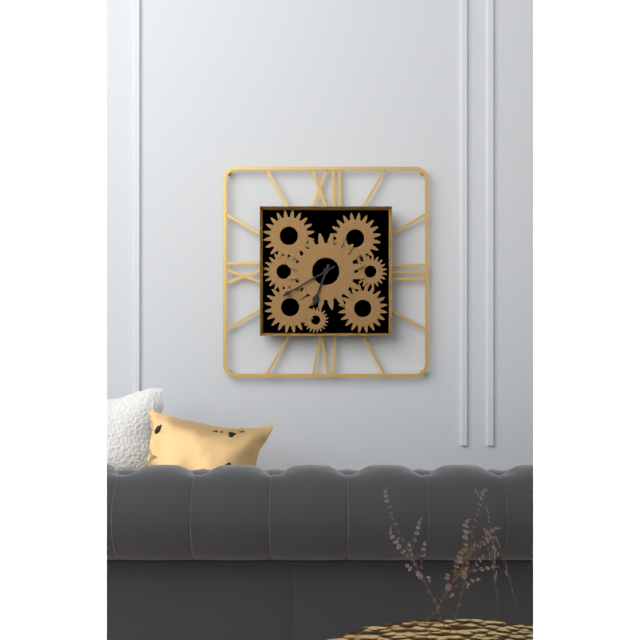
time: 6:40
